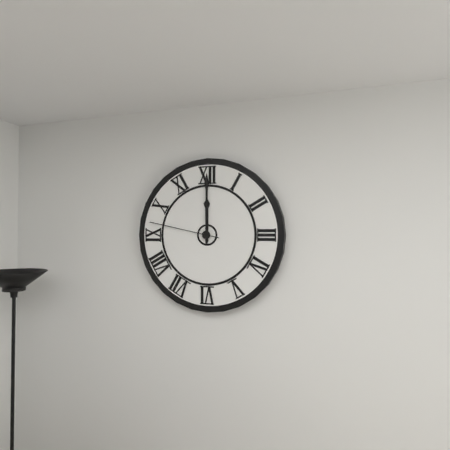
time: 12:00:47
